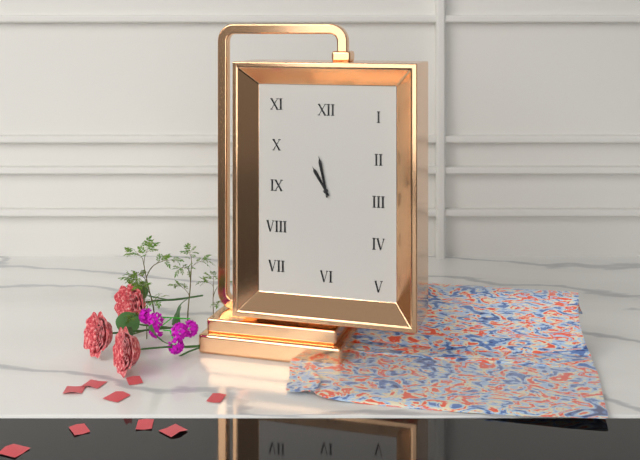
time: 10:58
